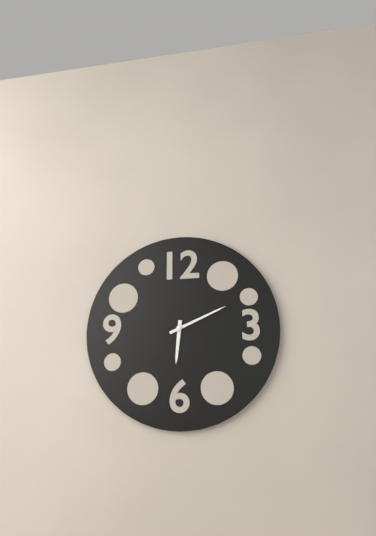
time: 6:11
